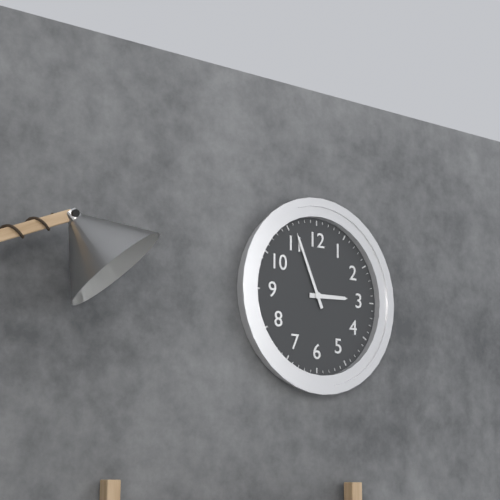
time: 2:56
